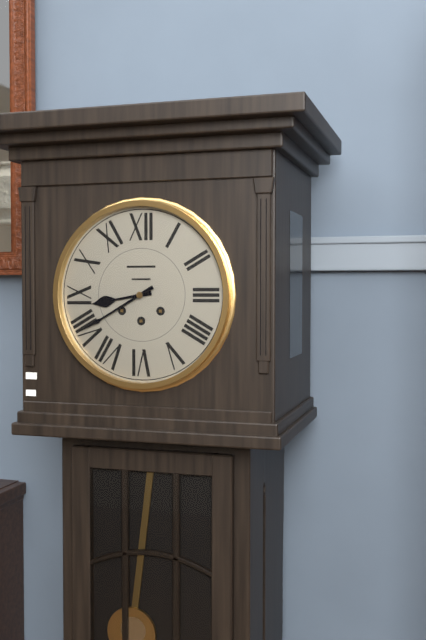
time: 8:40
